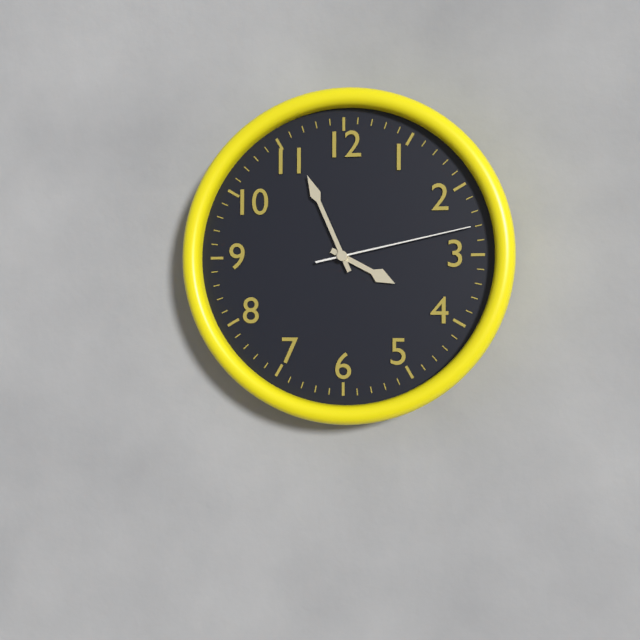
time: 3:56:13
